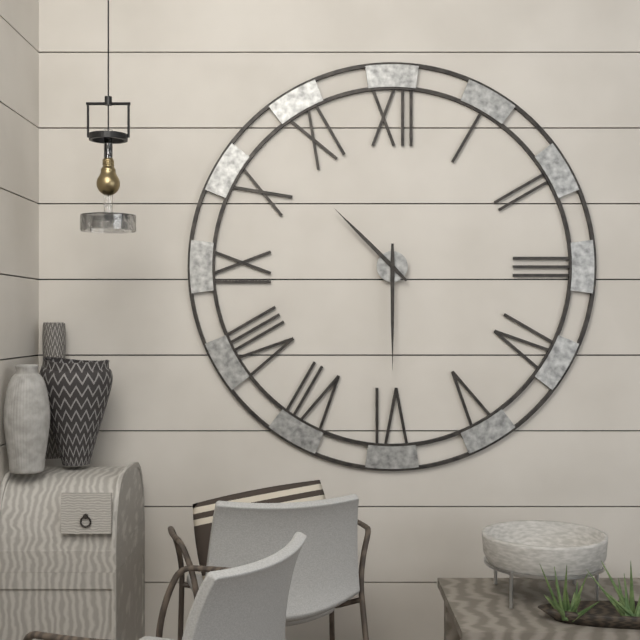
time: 10:30
